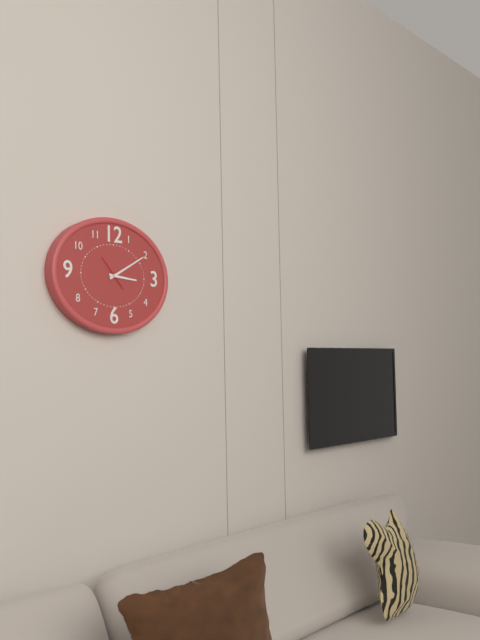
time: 3:10
